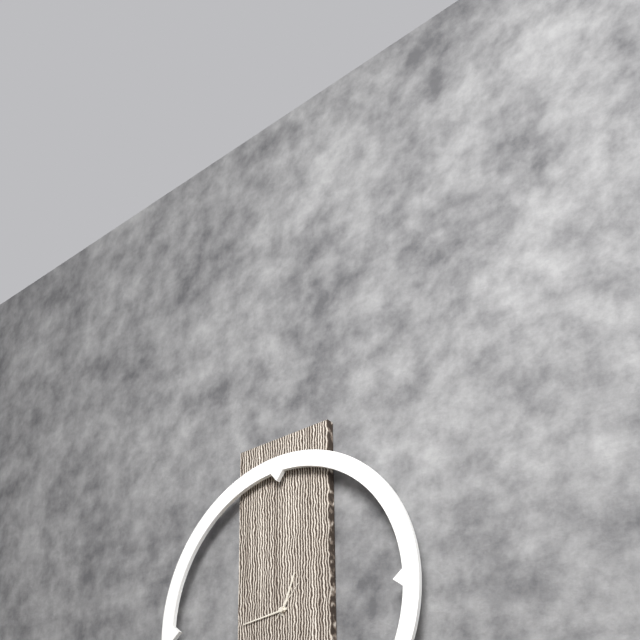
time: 12:44
